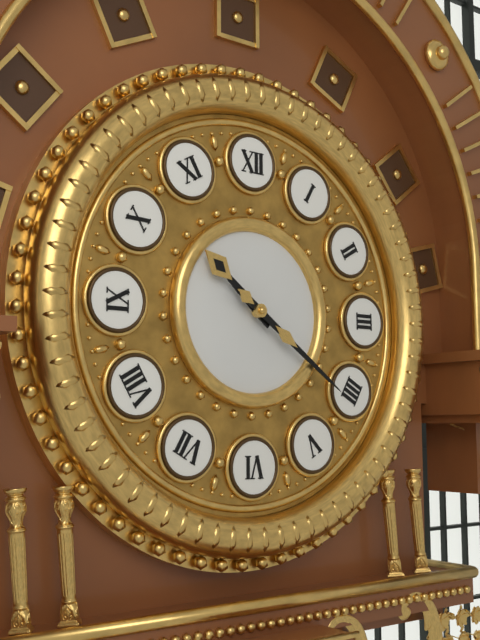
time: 10:21
